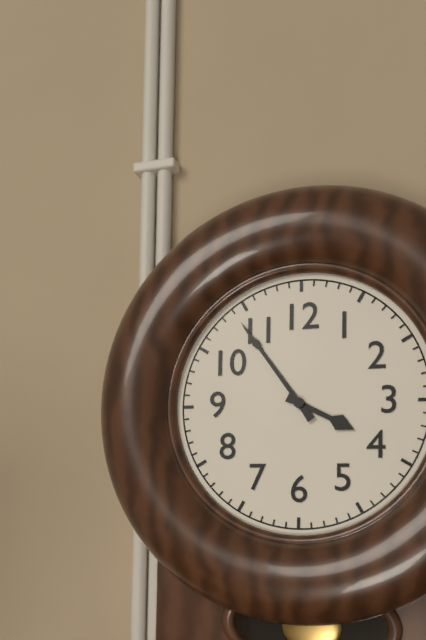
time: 3:54
